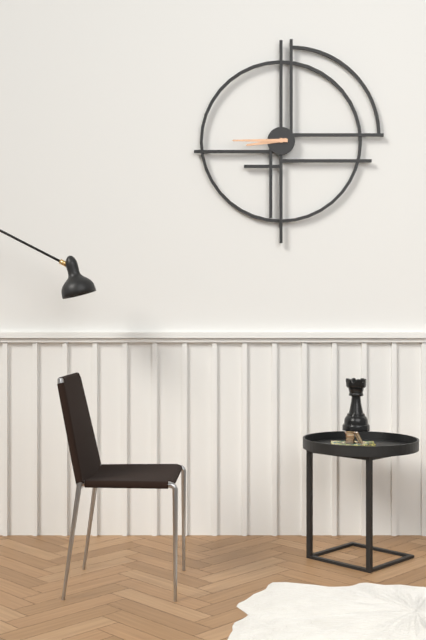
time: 8:45
